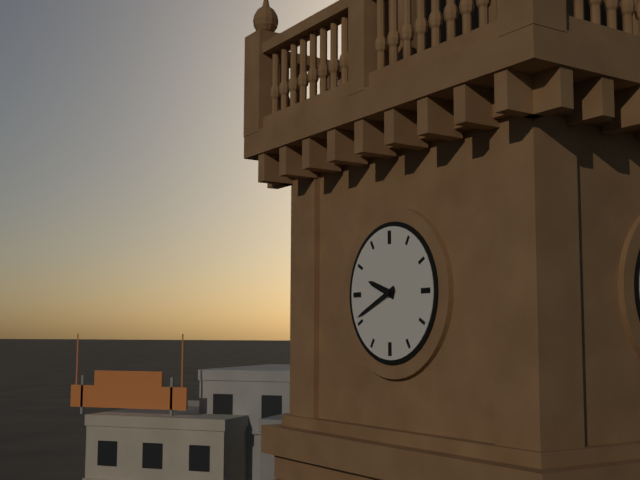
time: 9:41
